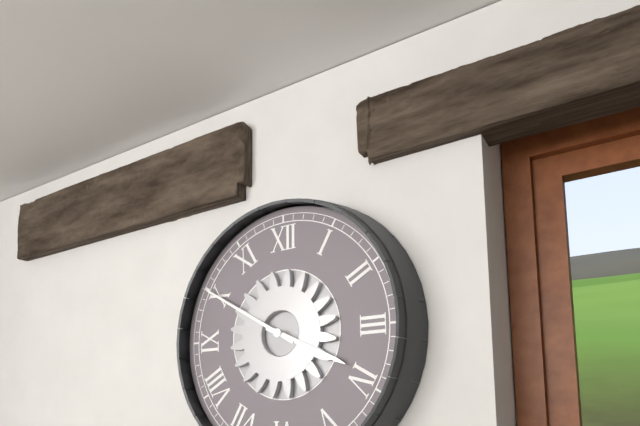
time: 3:50
